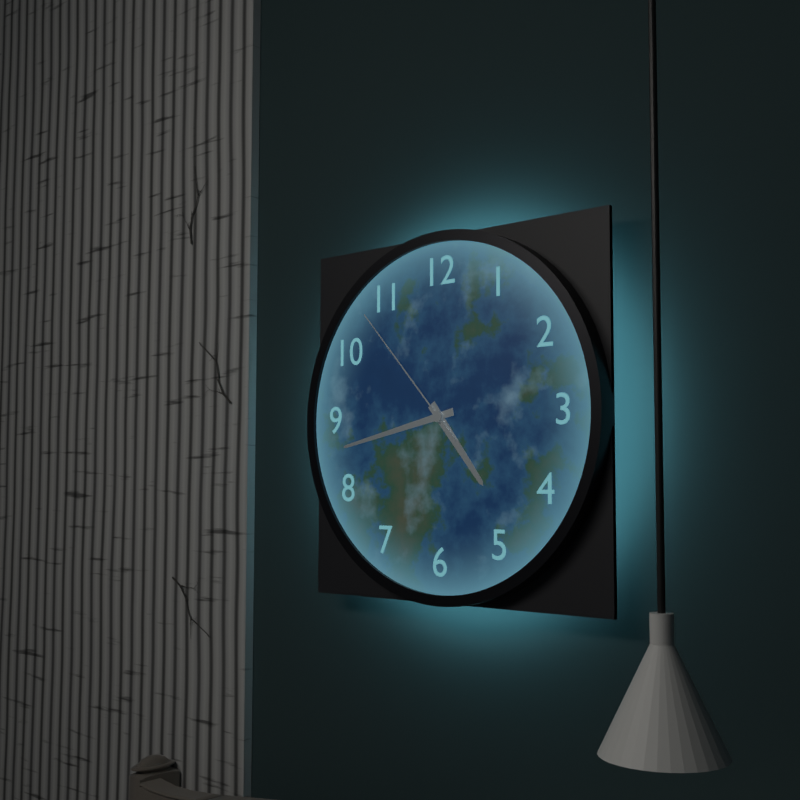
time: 4:43:53
